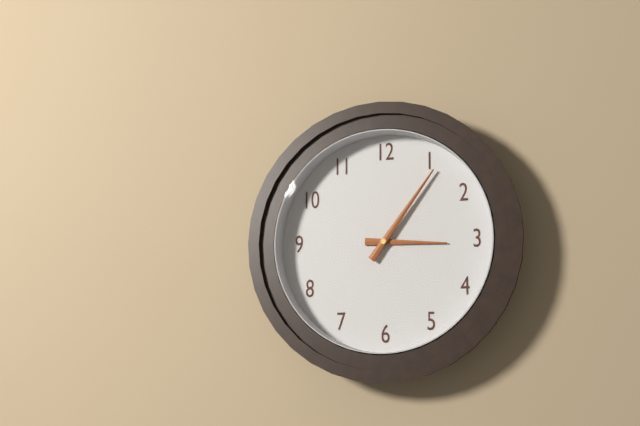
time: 3:06
